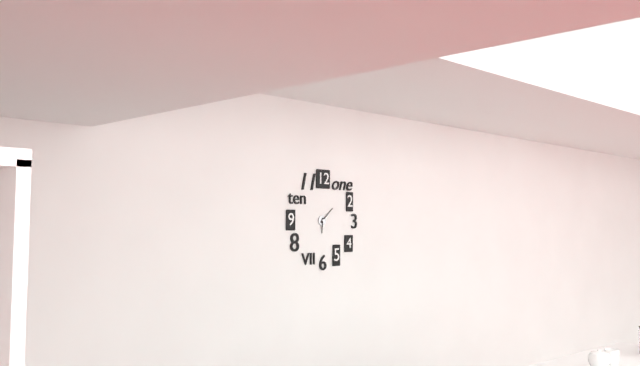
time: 6:08
